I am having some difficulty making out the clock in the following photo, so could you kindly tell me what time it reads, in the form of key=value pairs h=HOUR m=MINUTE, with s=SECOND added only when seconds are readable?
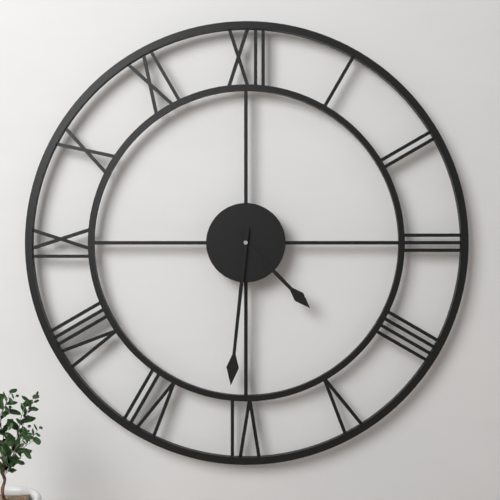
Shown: h=4 m=31
